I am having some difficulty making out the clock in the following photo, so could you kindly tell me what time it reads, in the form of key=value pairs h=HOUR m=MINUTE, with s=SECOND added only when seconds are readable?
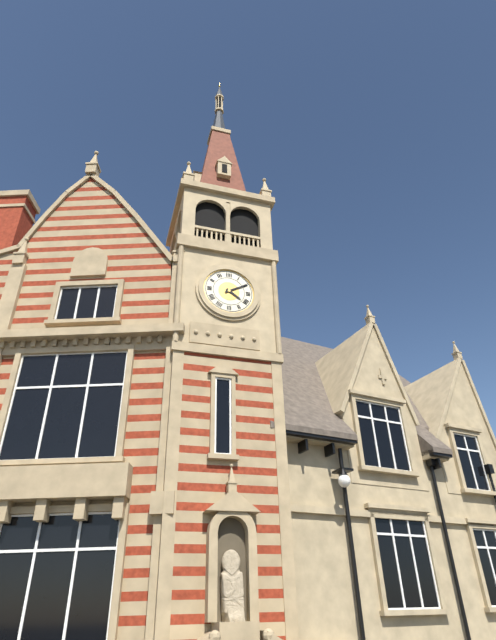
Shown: h=4 m=10
